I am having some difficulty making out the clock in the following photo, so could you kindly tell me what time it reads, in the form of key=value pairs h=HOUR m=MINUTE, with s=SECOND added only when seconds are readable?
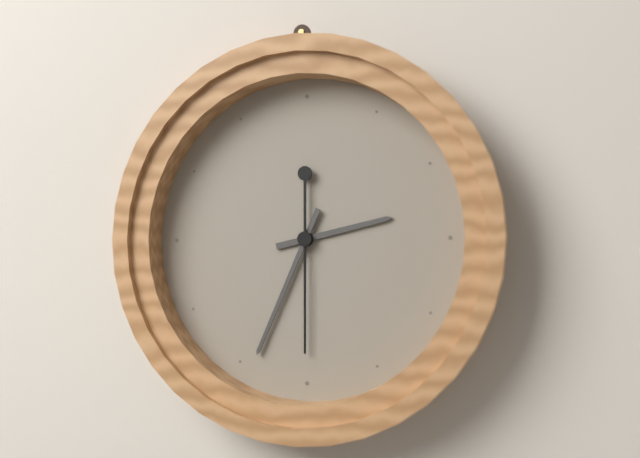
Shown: h=2 m=34 s=30
